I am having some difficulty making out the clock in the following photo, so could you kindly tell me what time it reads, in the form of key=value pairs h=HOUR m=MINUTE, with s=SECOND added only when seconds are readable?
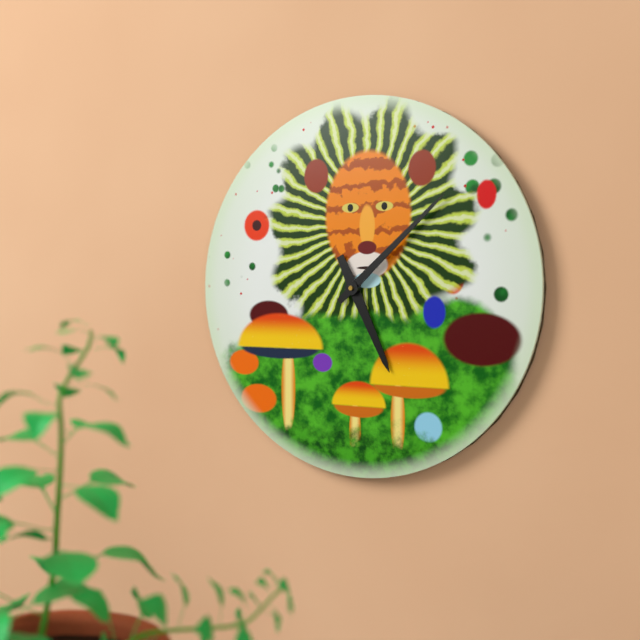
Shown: h=5 m=8
